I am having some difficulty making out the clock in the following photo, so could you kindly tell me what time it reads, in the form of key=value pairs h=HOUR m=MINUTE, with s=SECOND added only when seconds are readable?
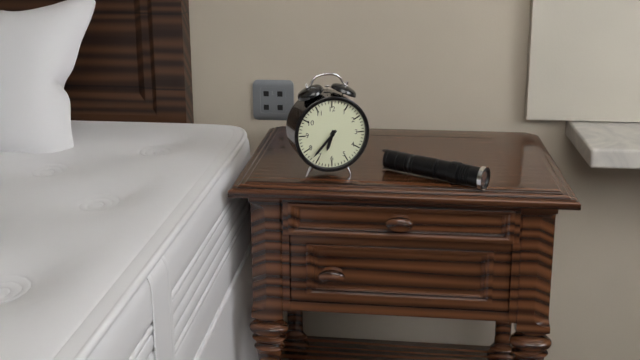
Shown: h=6 m=37
